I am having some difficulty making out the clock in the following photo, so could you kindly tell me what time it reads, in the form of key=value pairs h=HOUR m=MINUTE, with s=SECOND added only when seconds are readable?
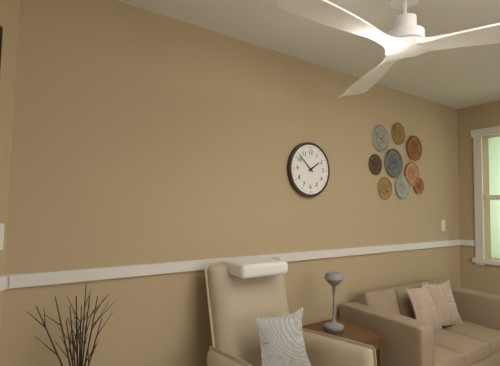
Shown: h=1 m=52
